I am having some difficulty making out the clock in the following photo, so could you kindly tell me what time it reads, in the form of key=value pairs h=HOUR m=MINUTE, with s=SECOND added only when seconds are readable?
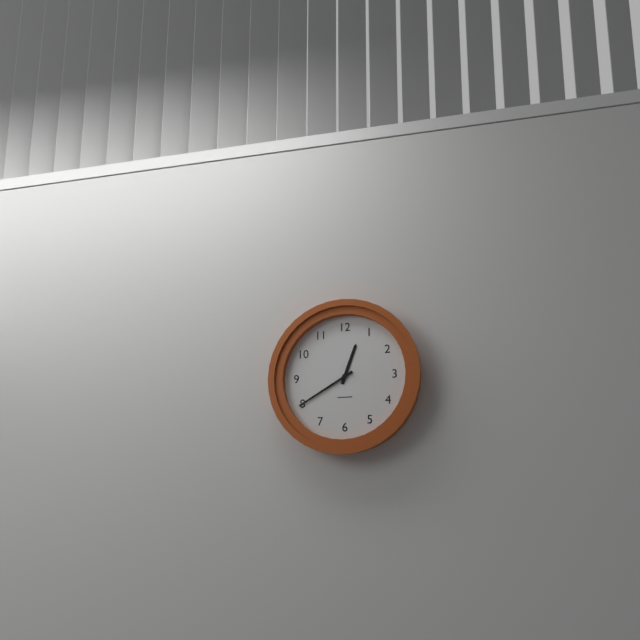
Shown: h=12 m=40
